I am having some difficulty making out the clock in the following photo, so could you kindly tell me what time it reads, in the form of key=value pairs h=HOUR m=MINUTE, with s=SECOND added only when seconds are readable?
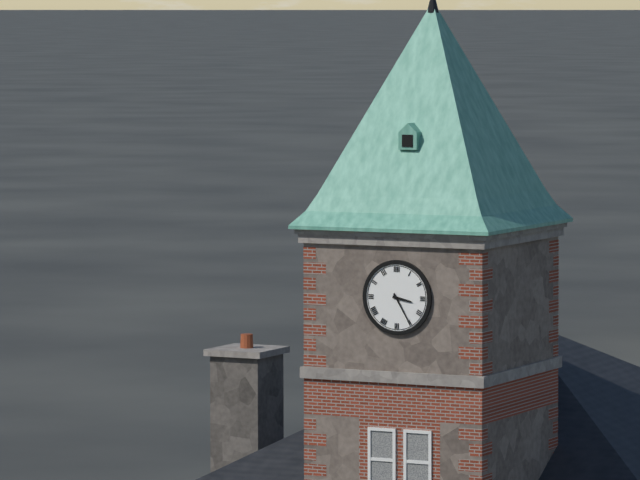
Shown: h=3 m=25
